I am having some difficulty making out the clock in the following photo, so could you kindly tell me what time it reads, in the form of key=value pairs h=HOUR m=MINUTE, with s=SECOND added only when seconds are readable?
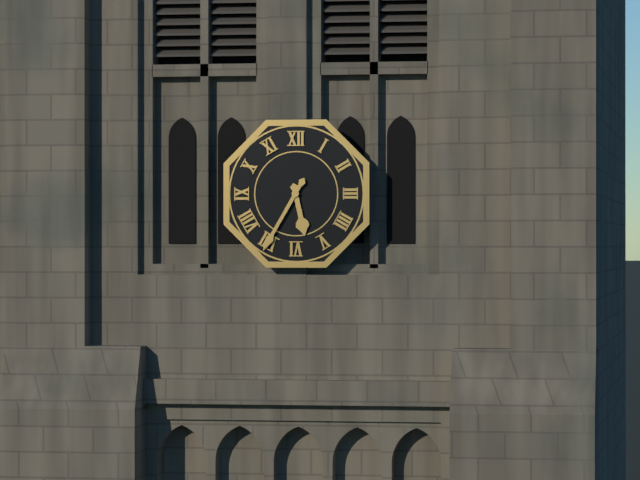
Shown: h=5 m=35
